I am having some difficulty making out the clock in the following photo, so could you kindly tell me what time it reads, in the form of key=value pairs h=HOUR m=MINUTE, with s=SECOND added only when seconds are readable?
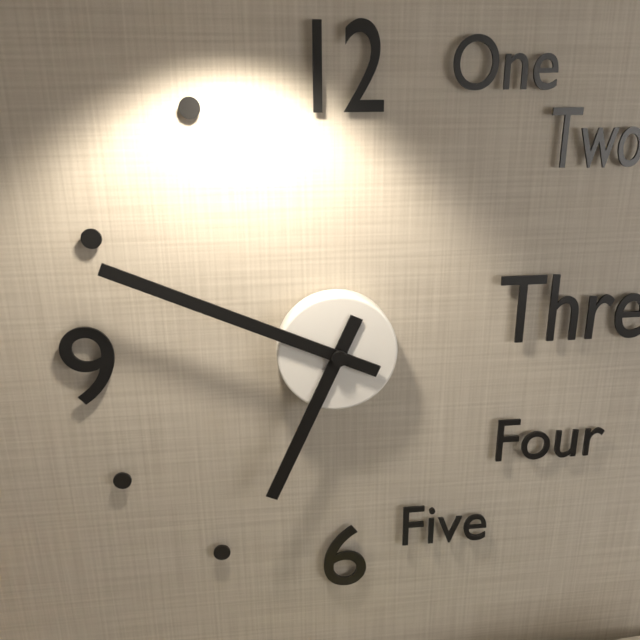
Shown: h=6 m=49
